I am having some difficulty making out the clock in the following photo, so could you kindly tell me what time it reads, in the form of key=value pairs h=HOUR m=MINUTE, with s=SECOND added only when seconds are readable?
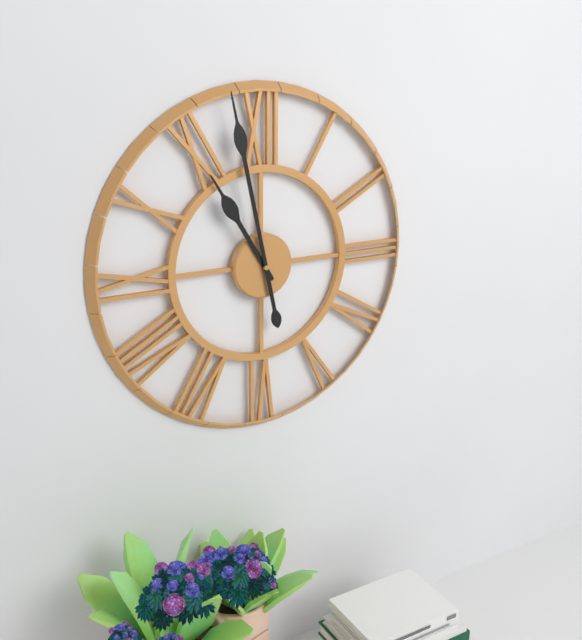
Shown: h=10 m=58
